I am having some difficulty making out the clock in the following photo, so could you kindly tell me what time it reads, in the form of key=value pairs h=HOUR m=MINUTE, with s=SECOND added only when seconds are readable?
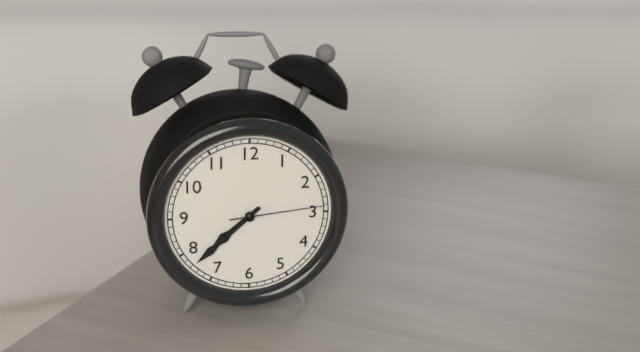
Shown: h=7 m=38 s=14
